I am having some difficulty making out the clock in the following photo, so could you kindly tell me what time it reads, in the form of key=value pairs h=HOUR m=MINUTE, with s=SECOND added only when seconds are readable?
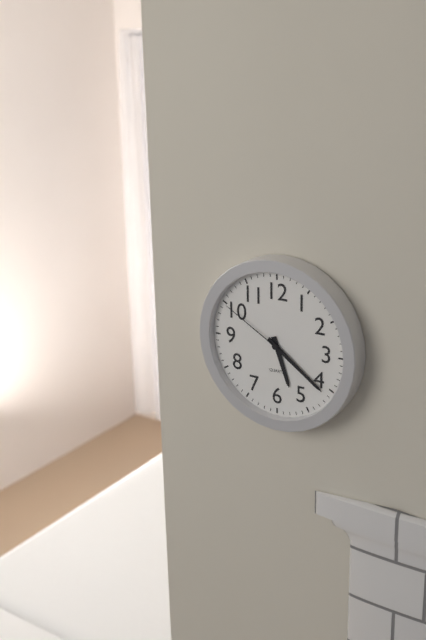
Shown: h=5 m=21 s=50
